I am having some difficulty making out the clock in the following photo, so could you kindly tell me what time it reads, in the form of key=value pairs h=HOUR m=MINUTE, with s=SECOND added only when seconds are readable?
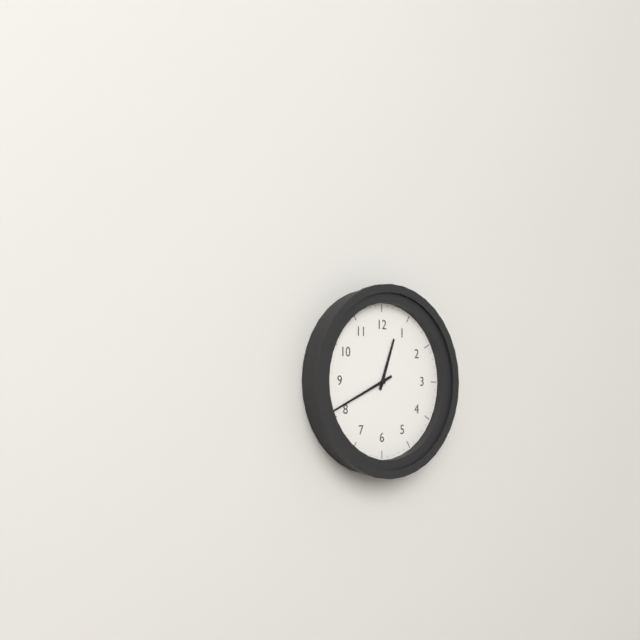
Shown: h=12 m=41
